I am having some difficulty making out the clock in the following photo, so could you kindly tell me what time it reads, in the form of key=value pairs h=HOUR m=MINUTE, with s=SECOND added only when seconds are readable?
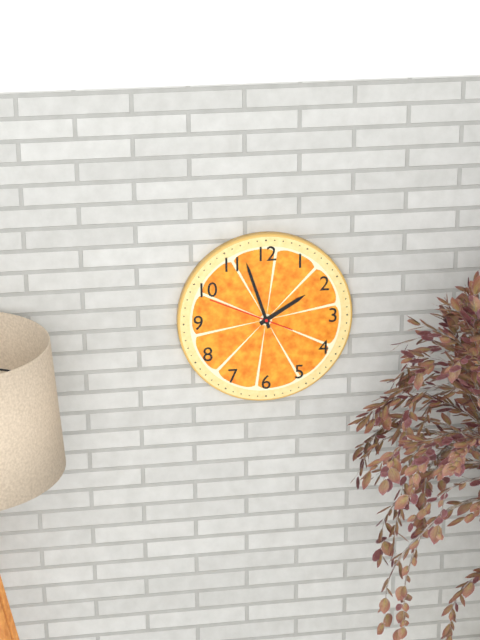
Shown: h=1 m=57 s=49
